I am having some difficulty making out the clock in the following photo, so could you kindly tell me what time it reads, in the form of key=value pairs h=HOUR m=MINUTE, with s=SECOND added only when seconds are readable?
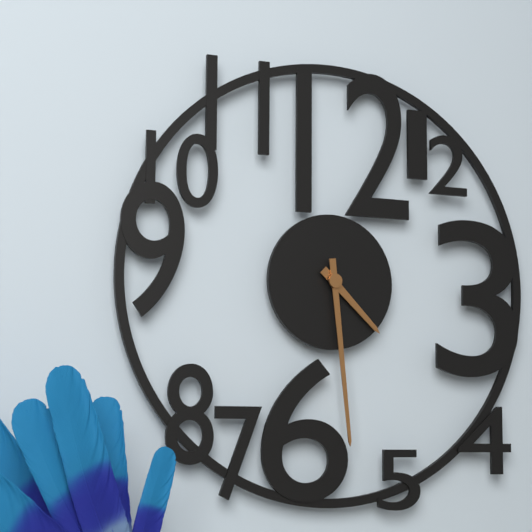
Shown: h=4 m=29
